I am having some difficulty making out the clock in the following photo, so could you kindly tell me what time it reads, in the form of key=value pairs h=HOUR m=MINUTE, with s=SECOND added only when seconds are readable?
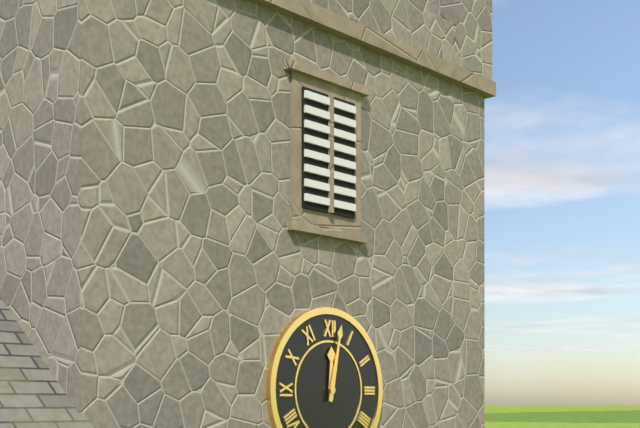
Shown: h=12 m=2
